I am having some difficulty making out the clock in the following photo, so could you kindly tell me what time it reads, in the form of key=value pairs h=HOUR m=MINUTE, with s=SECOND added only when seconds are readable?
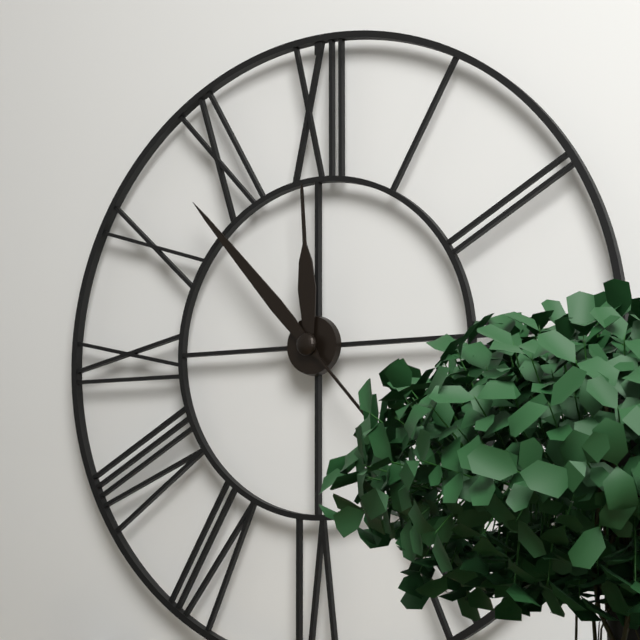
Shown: h=11 m=53
